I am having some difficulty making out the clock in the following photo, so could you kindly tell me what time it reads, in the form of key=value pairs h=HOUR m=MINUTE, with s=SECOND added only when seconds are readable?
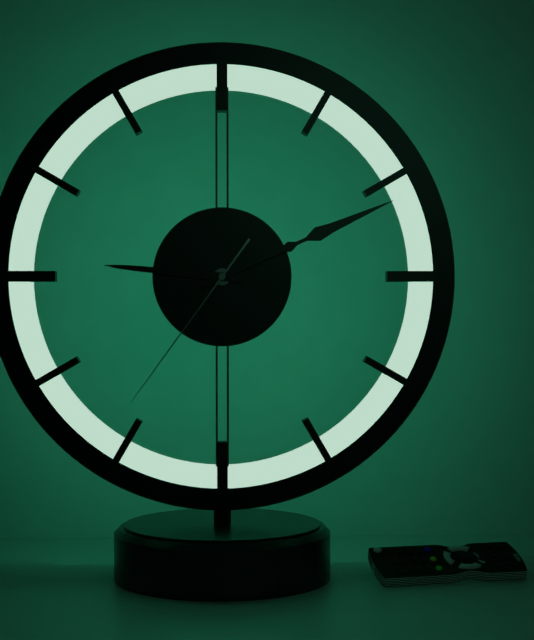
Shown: h=9 m=11 s=36
